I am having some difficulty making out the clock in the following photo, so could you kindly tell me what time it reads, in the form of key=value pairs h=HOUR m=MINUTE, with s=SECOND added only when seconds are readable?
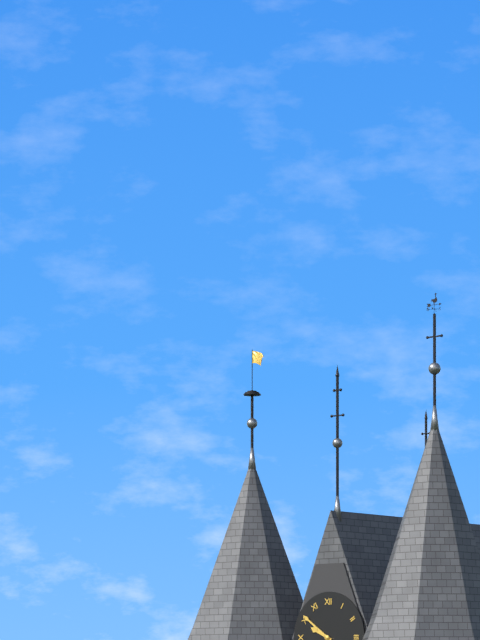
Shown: h=9 m=51
